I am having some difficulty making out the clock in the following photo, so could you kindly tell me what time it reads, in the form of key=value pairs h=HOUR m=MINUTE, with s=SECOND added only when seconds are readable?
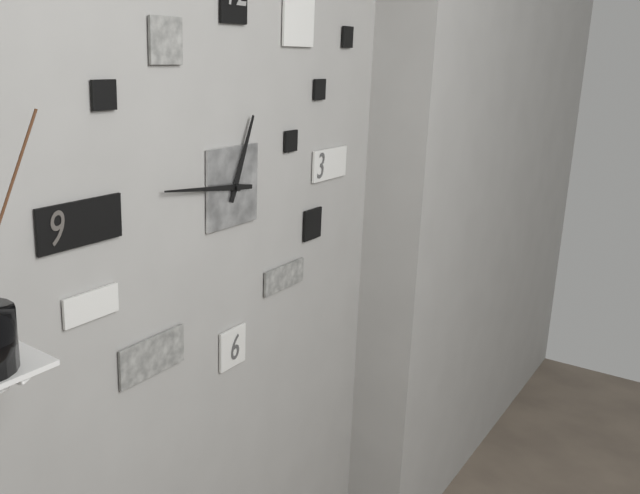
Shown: h=12 m=46
